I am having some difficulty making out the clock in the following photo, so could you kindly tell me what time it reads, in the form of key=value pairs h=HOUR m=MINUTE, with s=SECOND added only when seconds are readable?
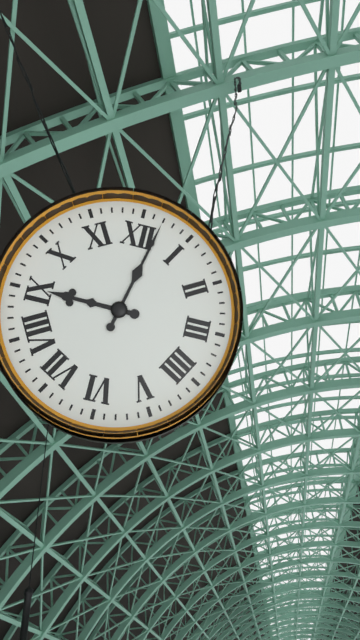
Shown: h=9 m=2
